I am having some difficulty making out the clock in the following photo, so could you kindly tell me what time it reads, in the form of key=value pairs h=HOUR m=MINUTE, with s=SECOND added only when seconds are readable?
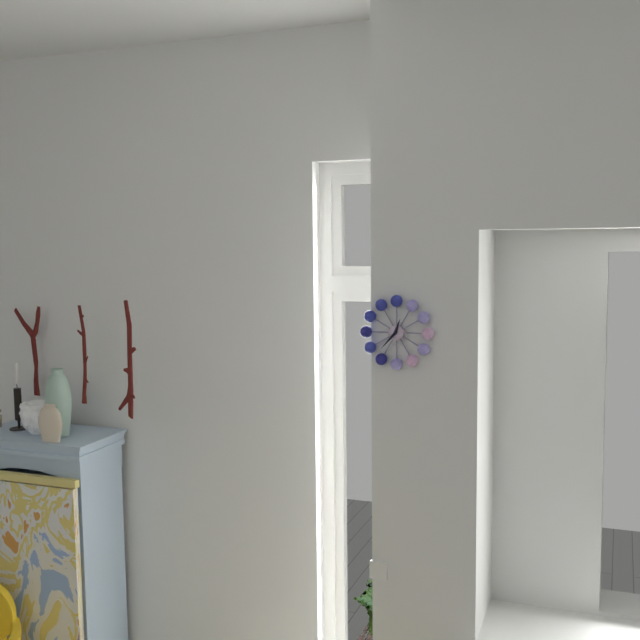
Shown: h=12 m=37
